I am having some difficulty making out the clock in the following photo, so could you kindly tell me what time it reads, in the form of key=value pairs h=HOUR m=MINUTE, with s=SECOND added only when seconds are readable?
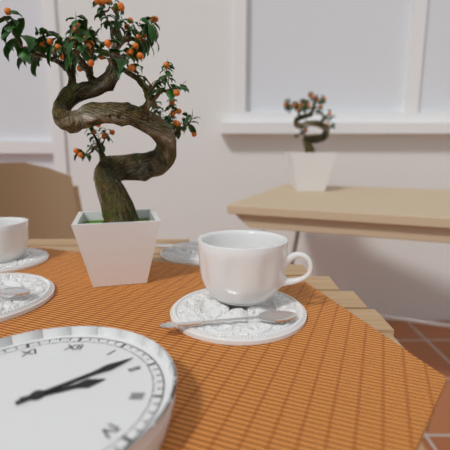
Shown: h=2 m=8
